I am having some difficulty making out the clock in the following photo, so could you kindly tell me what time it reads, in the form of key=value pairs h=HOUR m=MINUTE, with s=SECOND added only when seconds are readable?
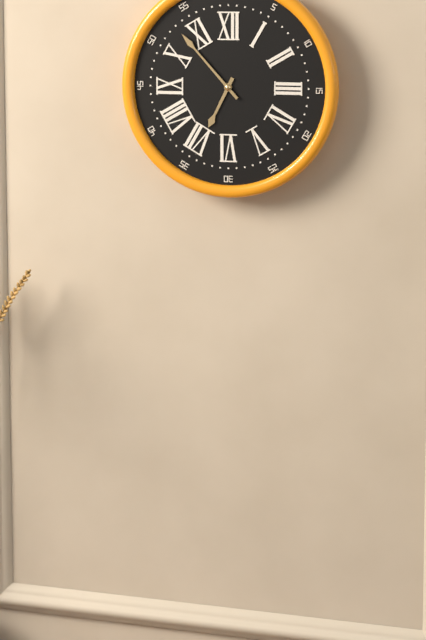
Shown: h=6 m=53
